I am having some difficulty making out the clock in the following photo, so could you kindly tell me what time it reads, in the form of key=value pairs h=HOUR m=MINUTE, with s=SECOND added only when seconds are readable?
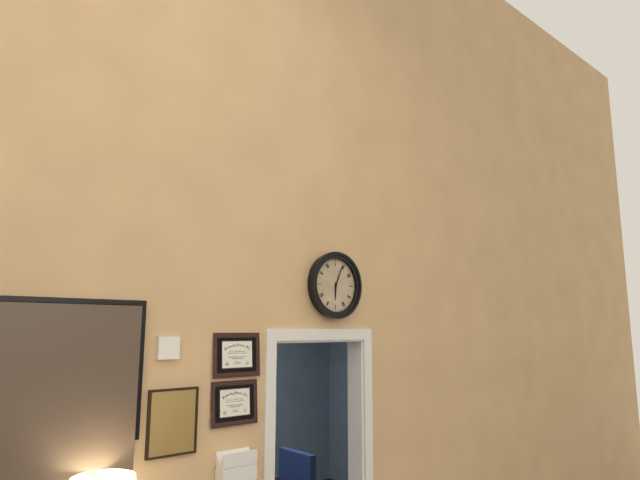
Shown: h=6 m=4
